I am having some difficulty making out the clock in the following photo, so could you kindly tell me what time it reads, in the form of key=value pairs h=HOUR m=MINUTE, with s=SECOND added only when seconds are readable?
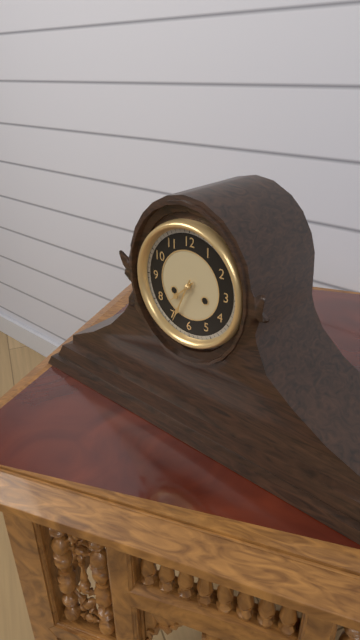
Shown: h=7 m=34
